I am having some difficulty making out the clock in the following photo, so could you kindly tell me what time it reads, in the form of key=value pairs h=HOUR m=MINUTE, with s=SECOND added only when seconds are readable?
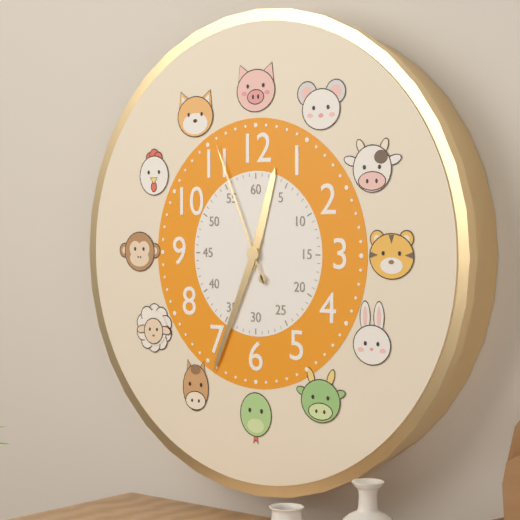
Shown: h=12 m=34 s=56
